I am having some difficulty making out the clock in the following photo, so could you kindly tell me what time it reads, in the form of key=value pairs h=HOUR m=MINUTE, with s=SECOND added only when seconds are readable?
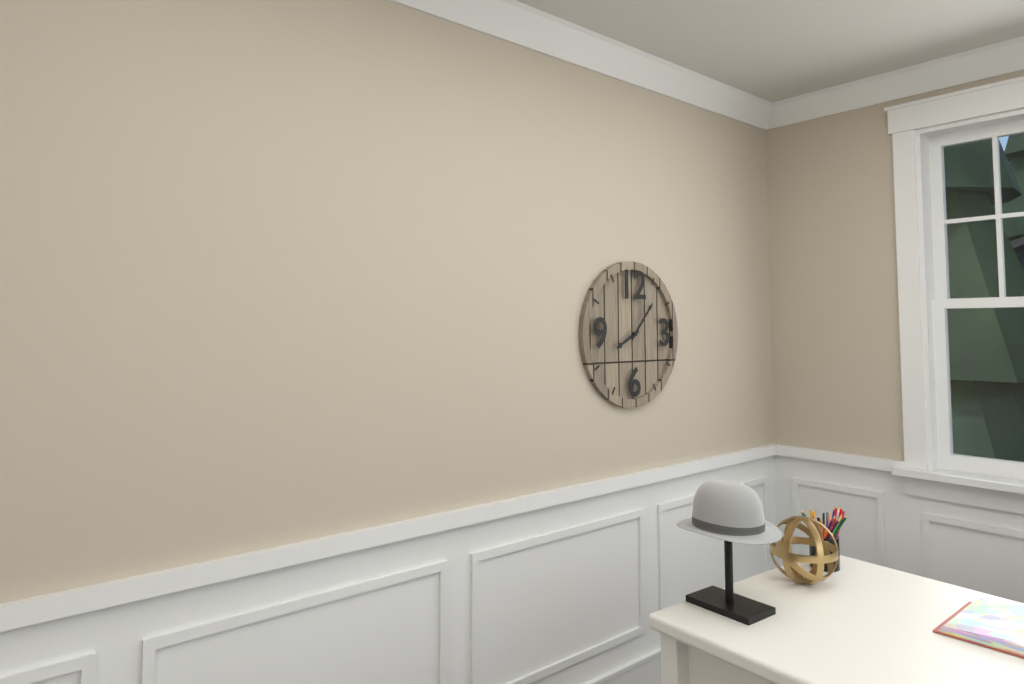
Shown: h=8 m=7
